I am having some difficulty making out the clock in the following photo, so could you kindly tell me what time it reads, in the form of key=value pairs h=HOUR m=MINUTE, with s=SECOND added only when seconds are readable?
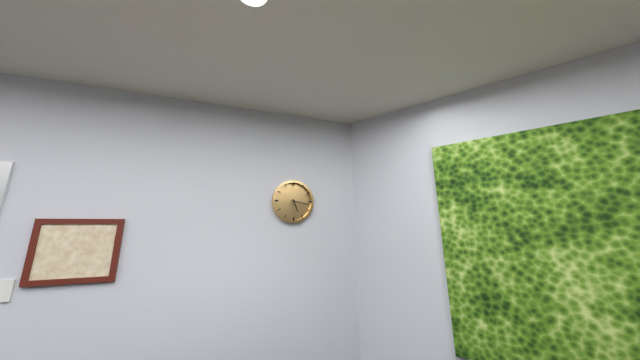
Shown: h=5 m=17
